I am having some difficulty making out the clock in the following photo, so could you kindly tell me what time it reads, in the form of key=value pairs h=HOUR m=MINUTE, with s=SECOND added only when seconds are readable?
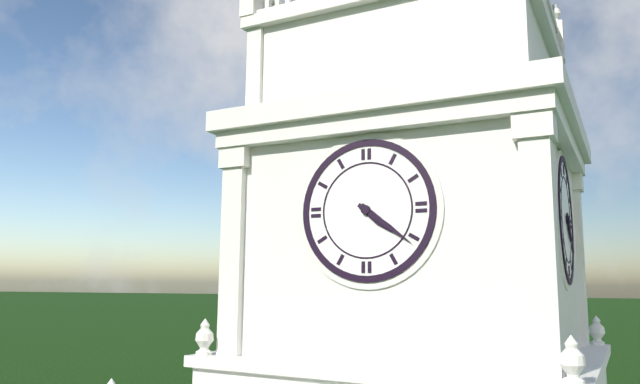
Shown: h=4 m=21
